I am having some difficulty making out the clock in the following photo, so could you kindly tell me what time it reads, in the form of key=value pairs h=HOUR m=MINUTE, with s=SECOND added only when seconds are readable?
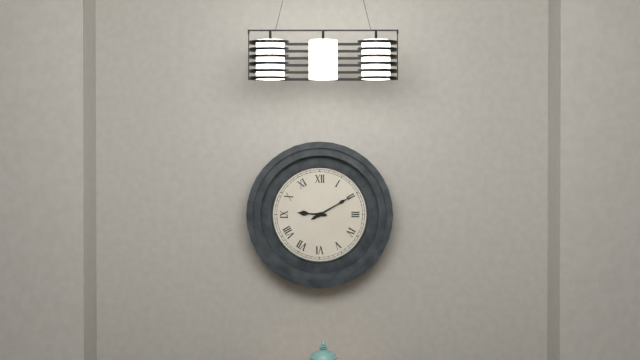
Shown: h=9 m=10
